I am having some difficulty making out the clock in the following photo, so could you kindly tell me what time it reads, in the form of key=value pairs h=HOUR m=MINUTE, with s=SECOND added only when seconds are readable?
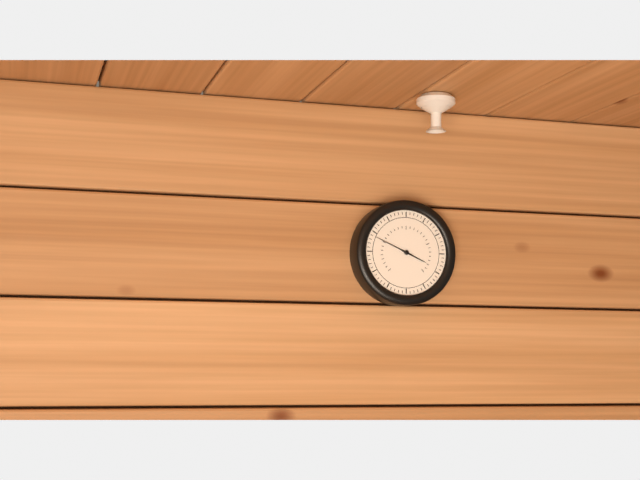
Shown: h=3 m=49
